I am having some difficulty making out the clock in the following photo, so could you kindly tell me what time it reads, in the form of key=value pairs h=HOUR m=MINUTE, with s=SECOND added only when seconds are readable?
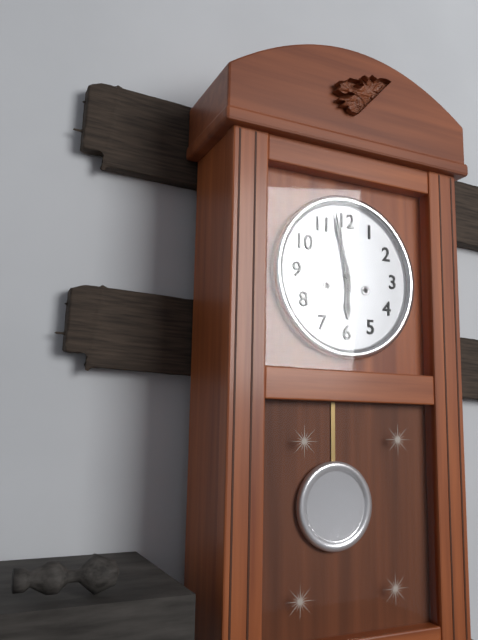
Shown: h=5 m=58
